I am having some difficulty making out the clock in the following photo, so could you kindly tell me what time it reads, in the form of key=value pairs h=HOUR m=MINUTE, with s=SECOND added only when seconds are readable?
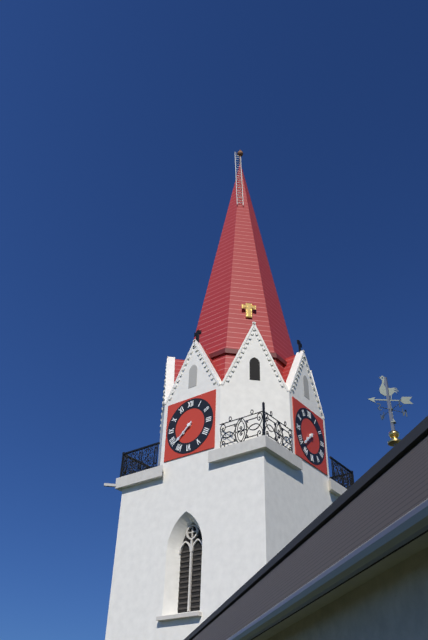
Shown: h=7 m=38
